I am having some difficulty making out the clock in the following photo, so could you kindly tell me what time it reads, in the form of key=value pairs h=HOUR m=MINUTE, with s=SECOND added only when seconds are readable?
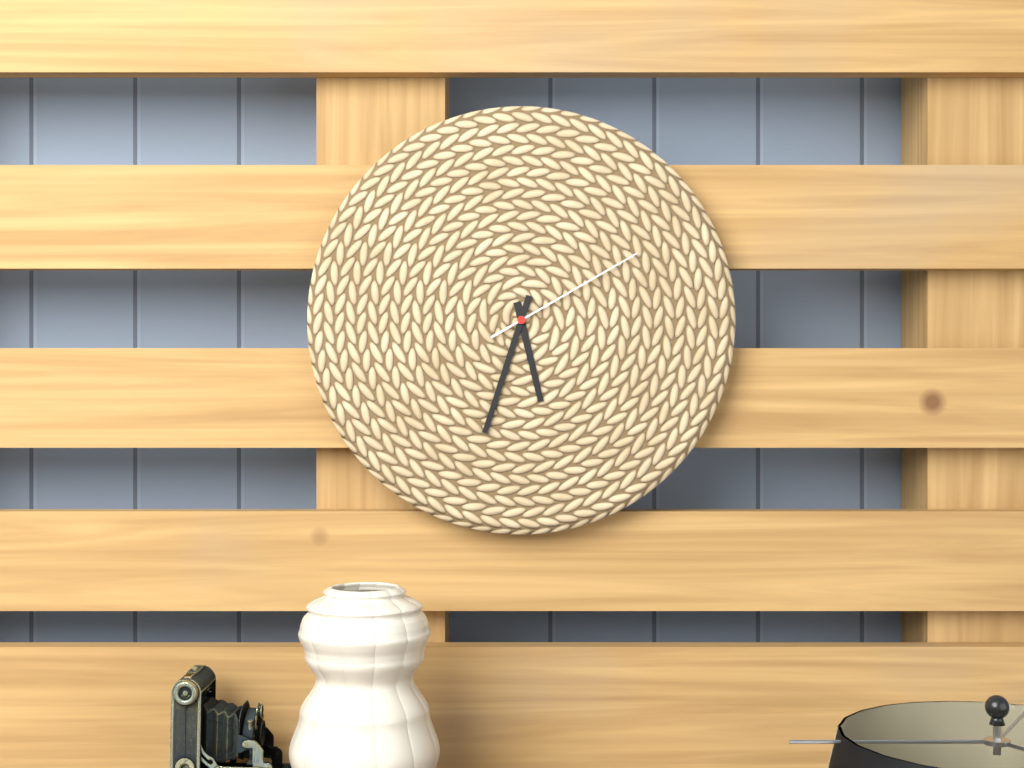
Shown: h=5 m=33 s=10
